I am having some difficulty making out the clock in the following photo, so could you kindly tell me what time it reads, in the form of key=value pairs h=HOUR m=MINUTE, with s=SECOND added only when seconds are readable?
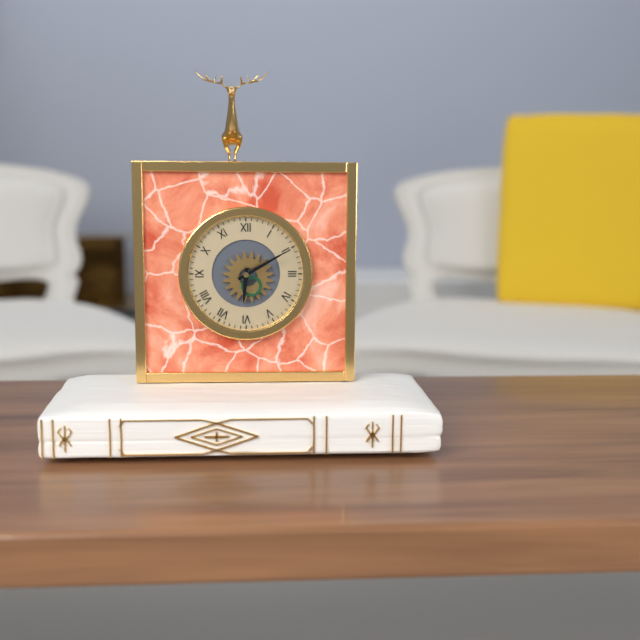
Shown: h=6 m=10
